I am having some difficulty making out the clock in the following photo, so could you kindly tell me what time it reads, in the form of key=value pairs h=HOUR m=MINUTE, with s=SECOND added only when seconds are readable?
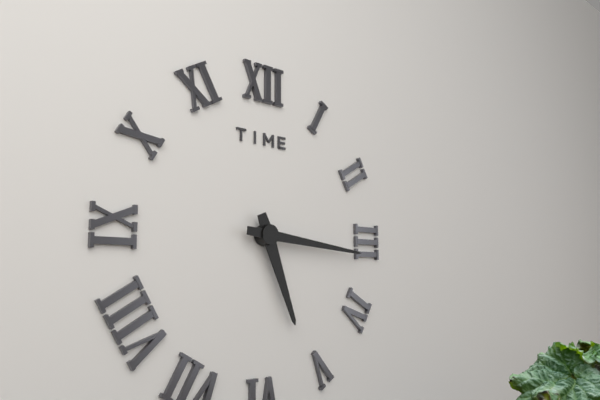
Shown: h=5 m=16
